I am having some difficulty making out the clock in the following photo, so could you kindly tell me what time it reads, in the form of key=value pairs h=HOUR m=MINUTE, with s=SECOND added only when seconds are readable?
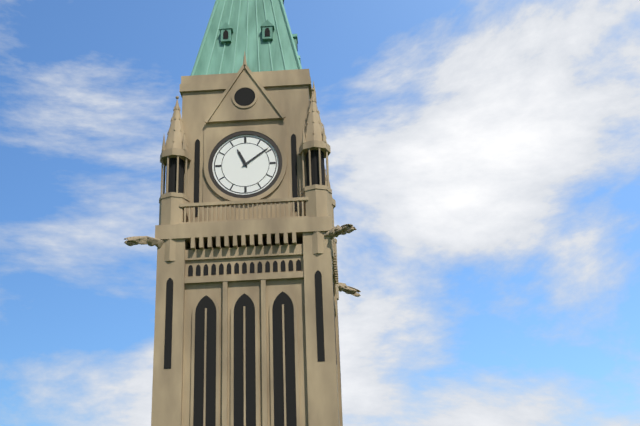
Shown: h=11 m=9
